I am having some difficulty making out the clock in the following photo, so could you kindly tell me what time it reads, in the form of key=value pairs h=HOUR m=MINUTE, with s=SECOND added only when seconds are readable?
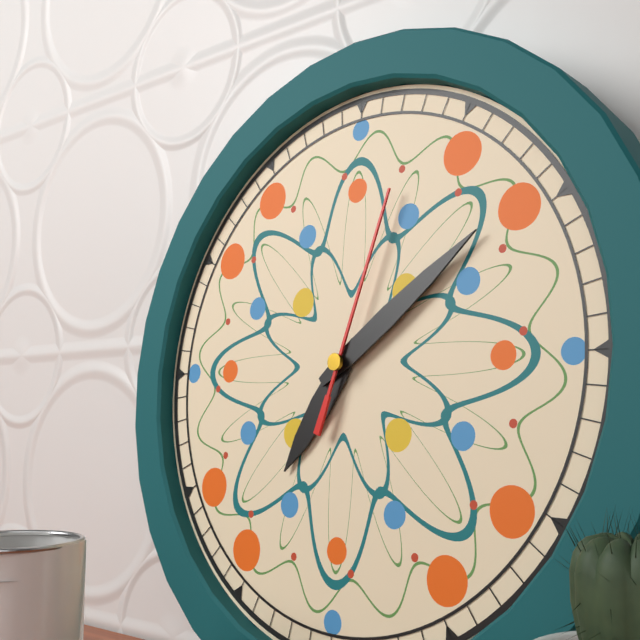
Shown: h=7 m=9 s=3
